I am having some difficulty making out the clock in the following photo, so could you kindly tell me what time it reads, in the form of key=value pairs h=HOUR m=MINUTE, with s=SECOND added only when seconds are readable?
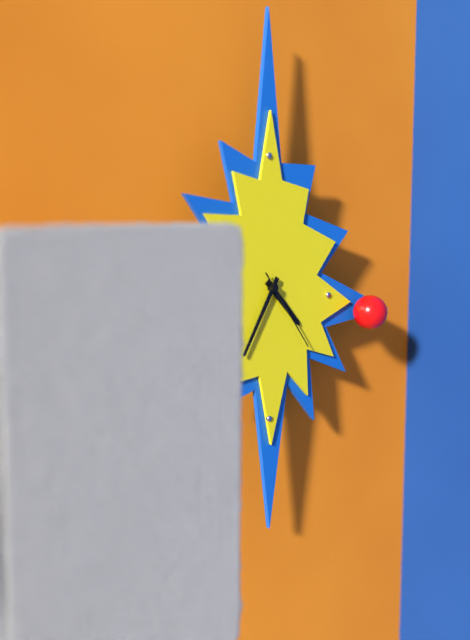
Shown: h=4 m=35 s=24
